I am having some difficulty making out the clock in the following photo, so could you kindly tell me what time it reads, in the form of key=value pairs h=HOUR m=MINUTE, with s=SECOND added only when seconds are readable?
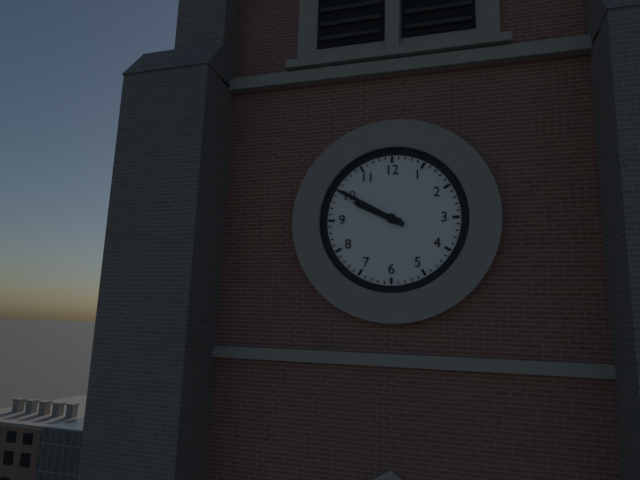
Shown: h=9 m=50
